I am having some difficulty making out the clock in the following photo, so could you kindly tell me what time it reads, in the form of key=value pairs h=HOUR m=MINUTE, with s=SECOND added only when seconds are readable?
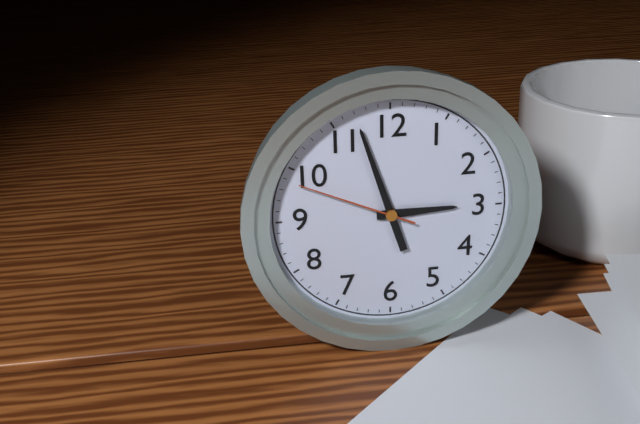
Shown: h=2 m=57 s=49
